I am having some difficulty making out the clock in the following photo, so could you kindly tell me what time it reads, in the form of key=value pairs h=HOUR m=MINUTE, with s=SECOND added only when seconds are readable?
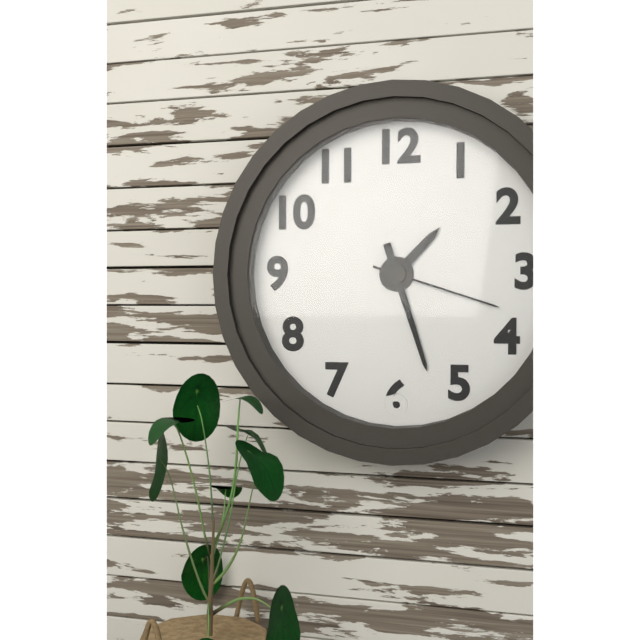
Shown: h=1 m=27 s=18
